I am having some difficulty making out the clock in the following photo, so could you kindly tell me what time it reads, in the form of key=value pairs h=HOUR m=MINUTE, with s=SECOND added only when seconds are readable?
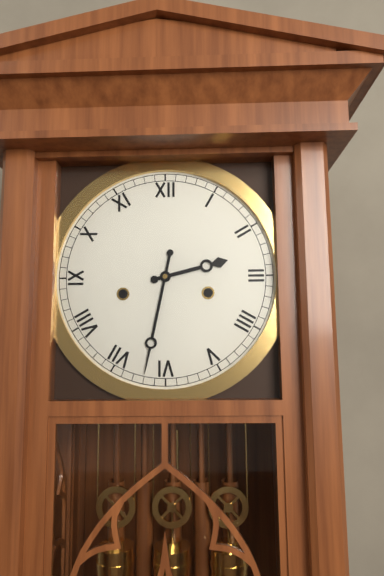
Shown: h=2 m=32
